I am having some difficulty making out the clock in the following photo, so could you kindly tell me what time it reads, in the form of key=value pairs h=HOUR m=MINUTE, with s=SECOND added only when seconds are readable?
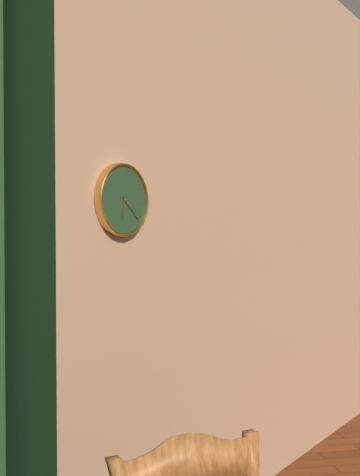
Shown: h=6 m=22
